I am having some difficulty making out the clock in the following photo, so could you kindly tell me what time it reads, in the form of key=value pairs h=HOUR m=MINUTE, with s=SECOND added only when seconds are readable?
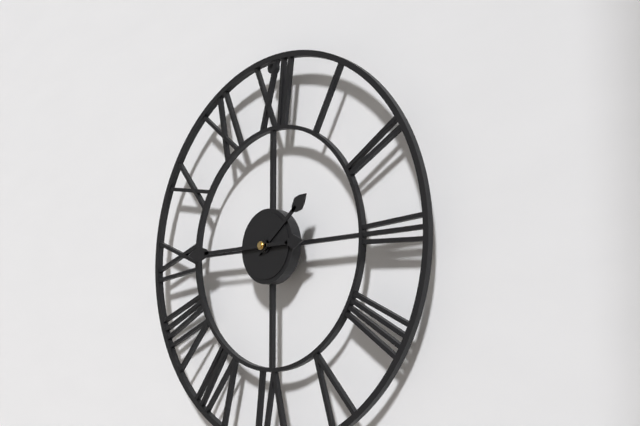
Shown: h=1 m=45
